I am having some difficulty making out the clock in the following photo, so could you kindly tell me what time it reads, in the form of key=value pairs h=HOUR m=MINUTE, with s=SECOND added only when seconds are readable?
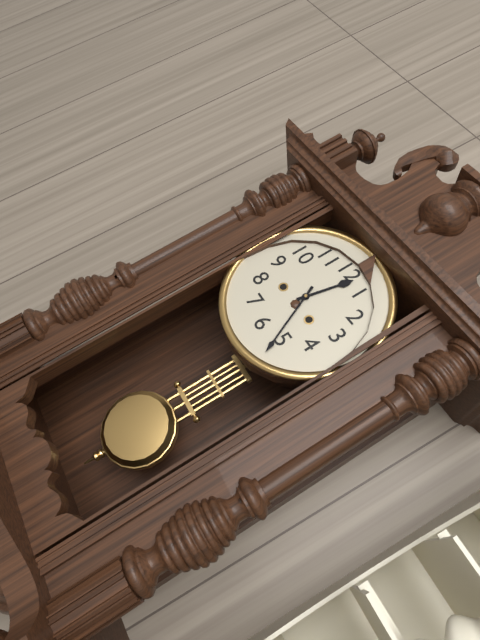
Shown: h=12 m=26
